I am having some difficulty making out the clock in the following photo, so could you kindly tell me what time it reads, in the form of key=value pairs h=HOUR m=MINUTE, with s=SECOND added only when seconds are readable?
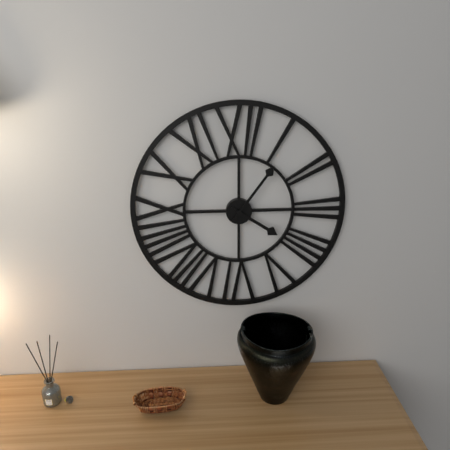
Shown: h=4 m=6
